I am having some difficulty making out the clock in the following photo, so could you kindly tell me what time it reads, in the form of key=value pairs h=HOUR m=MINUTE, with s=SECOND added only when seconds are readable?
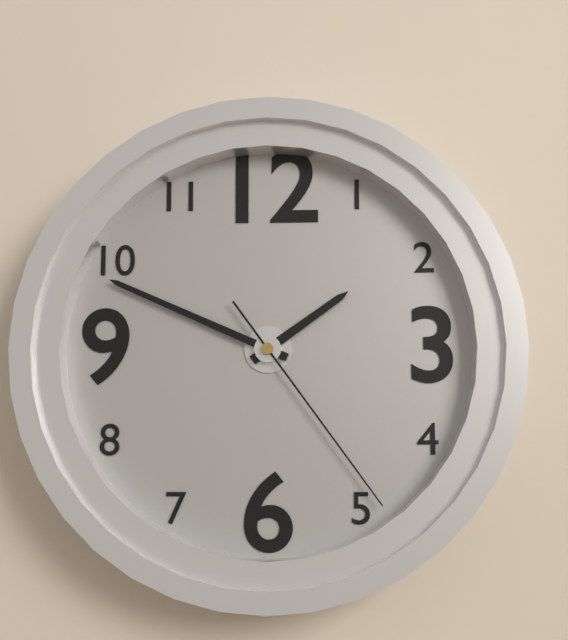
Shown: h=1 m=49 s=24
